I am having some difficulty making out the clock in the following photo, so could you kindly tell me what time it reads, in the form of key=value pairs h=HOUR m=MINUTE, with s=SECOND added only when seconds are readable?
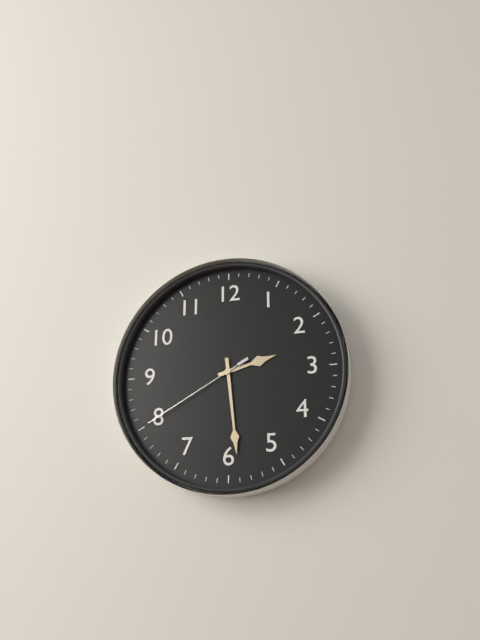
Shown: h=2 m=29 s=40
